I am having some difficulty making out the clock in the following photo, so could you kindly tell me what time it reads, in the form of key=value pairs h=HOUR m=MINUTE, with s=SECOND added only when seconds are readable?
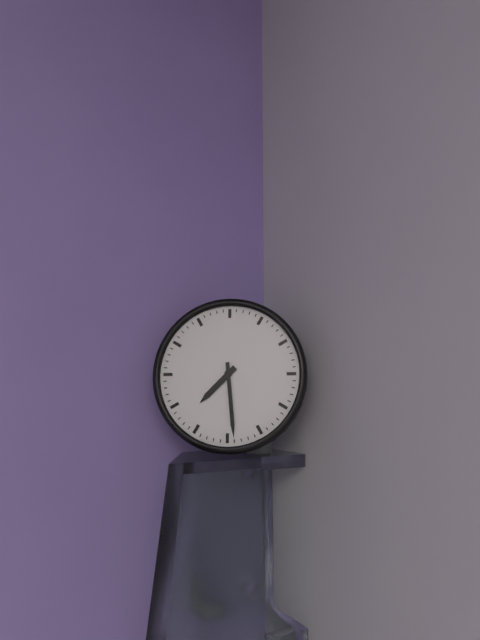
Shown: h=7 m=29
